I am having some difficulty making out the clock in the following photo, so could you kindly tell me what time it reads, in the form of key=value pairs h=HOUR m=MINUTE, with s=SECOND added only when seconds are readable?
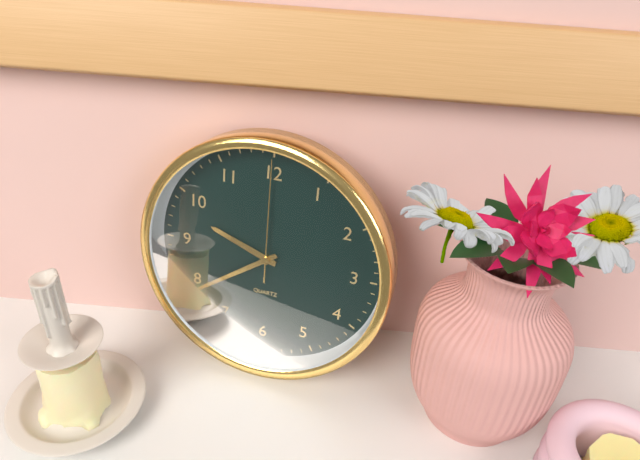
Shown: h=9 m=39 s=0
